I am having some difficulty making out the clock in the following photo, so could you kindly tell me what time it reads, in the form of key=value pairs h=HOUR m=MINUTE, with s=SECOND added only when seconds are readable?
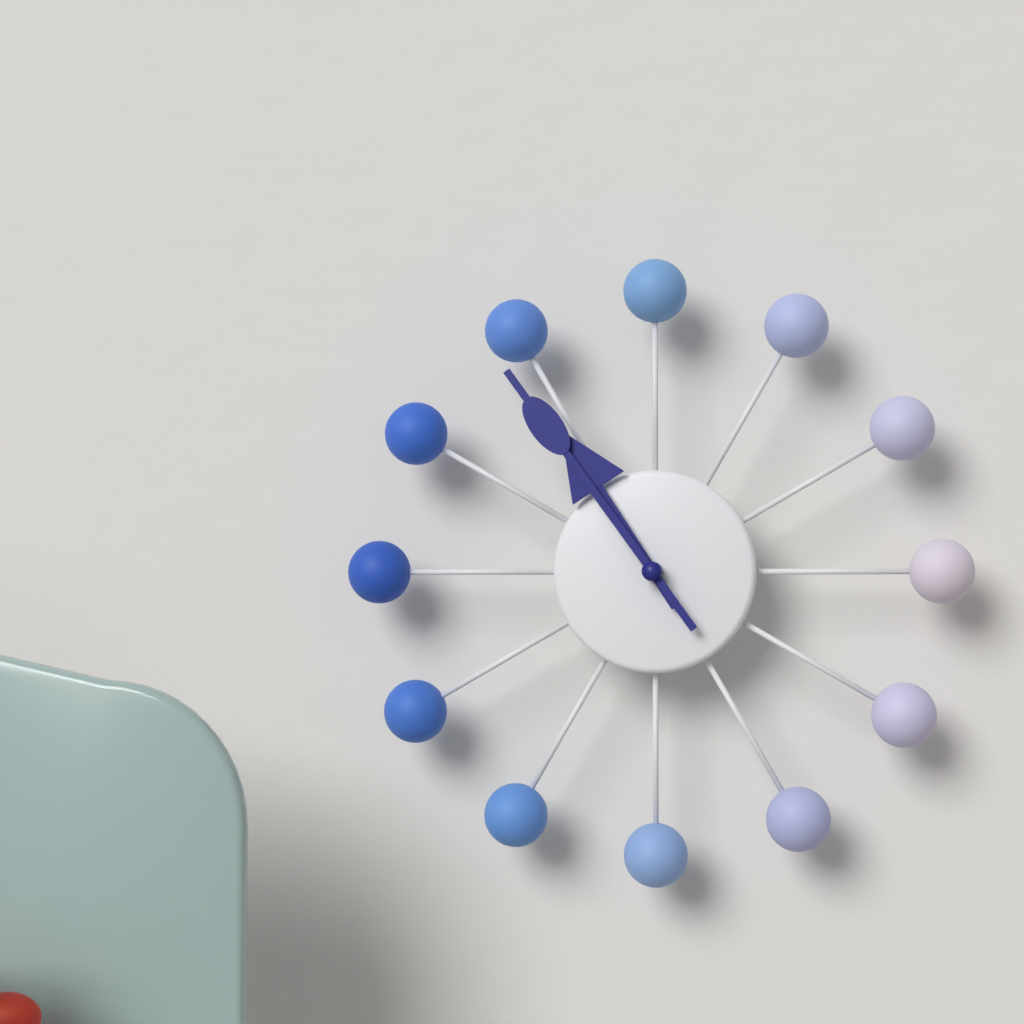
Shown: h=10 m=54
